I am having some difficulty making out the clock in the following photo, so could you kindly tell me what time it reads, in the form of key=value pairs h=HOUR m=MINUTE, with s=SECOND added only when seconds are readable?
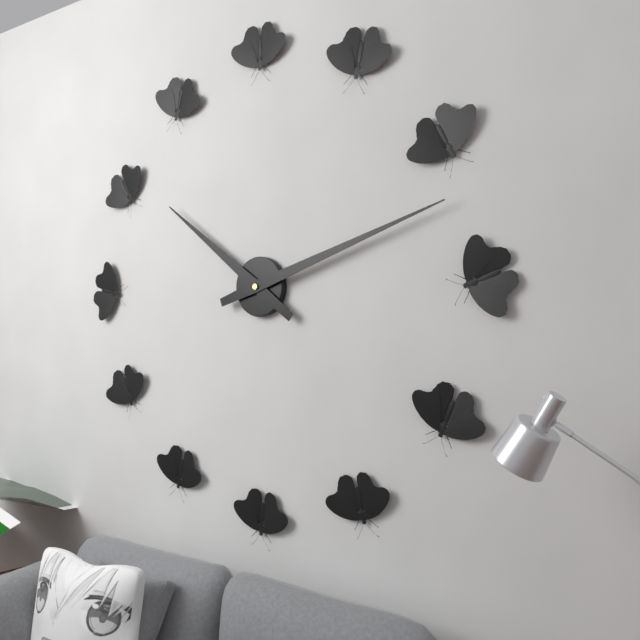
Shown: h=10 m=12
